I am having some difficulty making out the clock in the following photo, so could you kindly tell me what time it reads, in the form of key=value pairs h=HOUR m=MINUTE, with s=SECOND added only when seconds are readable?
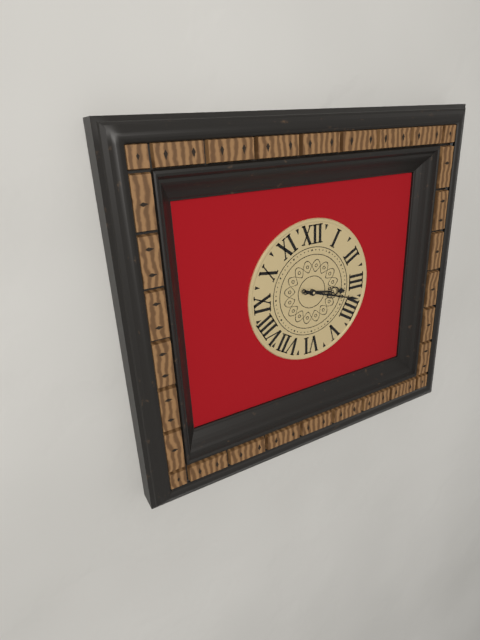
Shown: h=3 m=18
